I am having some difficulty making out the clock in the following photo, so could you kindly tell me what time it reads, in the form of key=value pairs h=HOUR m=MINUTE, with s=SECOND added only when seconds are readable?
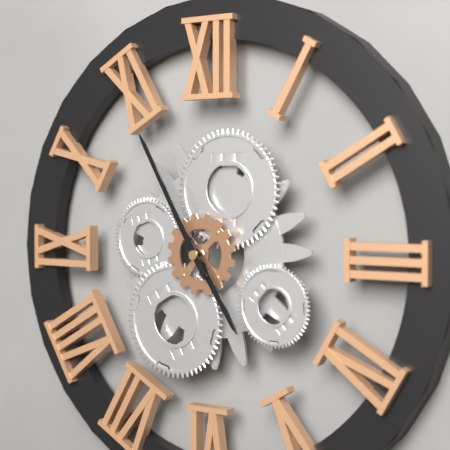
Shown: h=4 m=55
